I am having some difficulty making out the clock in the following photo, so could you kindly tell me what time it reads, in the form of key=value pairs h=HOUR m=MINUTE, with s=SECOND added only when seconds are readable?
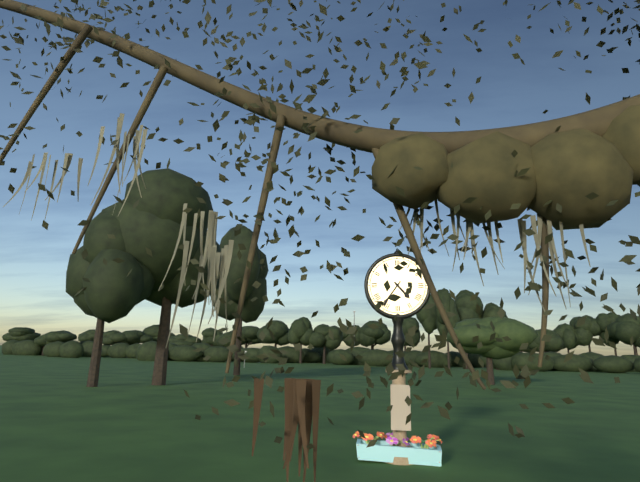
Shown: h=4 m=36
